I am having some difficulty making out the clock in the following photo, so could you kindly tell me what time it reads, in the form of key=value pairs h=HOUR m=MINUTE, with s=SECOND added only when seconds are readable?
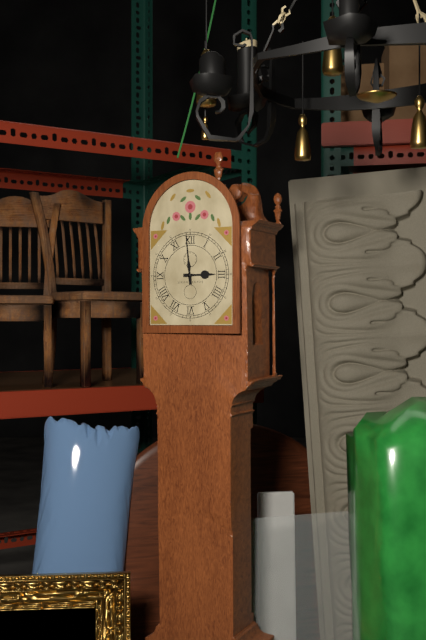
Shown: h=2 m=59
